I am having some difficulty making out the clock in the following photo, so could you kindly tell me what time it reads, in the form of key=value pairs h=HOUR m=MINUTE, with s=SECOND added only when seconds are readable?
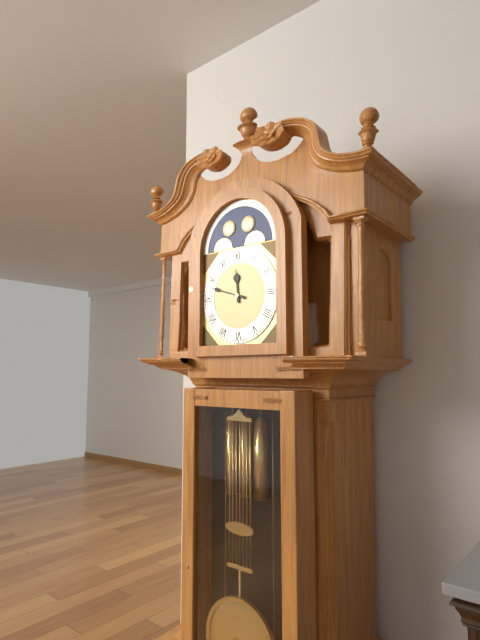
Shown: h=11 m=48
